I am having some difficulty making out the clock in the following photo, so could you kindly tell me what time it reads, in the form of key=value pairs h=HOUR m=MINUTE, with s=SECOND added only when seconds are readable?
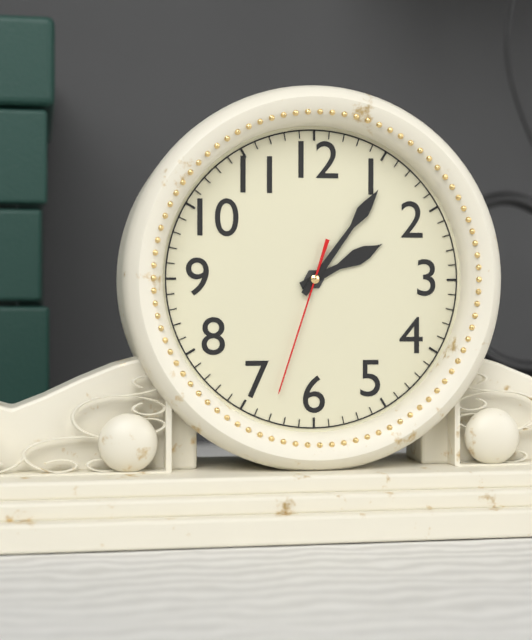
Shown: h=2 m=6 s=33
